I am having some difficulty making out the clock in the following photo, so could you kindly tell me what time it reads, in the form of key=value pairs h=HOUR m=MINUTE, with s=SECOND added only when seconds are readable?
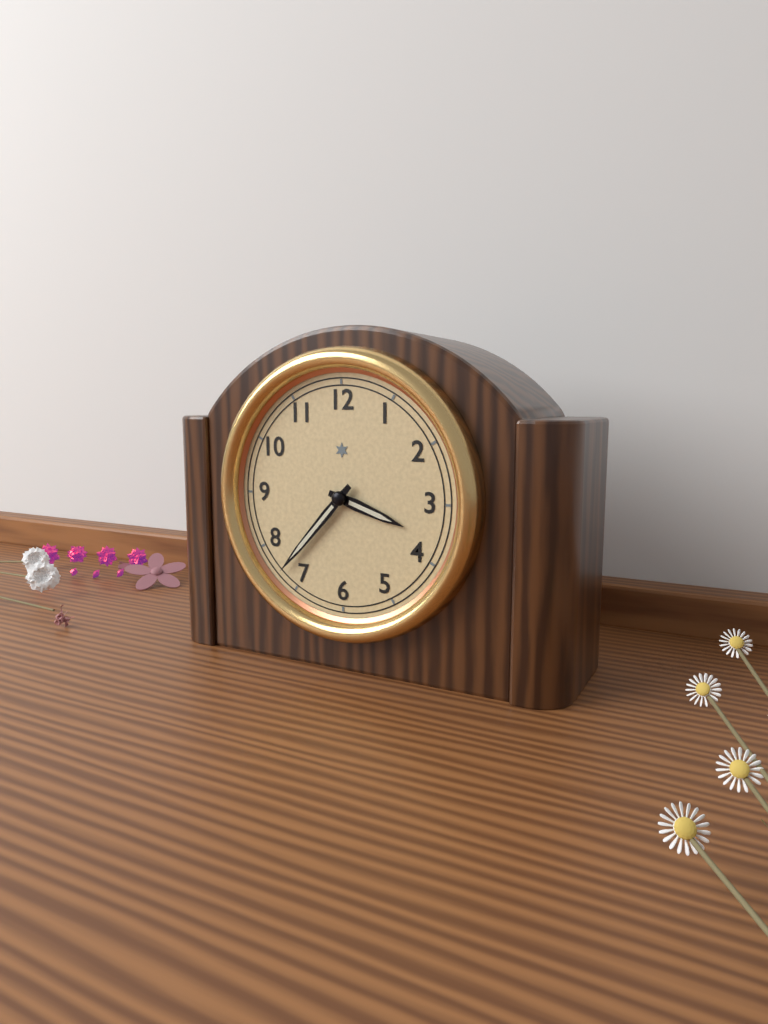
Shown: h=3 m=37
